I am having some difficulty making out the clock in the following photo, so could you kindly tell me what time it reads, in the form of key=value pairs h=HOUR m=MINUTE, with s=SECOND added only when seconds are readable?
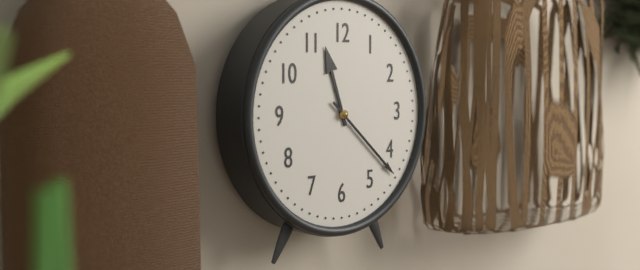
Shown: h=11 m=22
